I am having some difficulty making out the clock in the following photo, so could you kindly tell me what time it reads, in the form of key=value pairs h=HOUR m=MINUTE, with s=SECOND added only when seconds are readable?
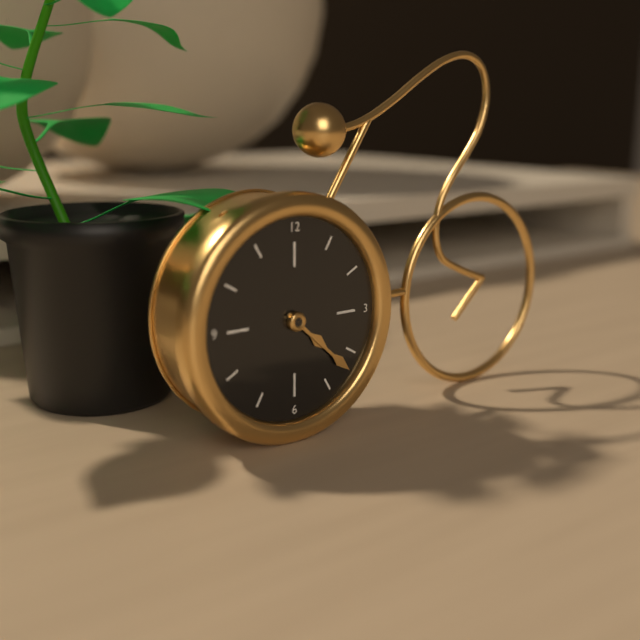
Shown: h=4 m=22
